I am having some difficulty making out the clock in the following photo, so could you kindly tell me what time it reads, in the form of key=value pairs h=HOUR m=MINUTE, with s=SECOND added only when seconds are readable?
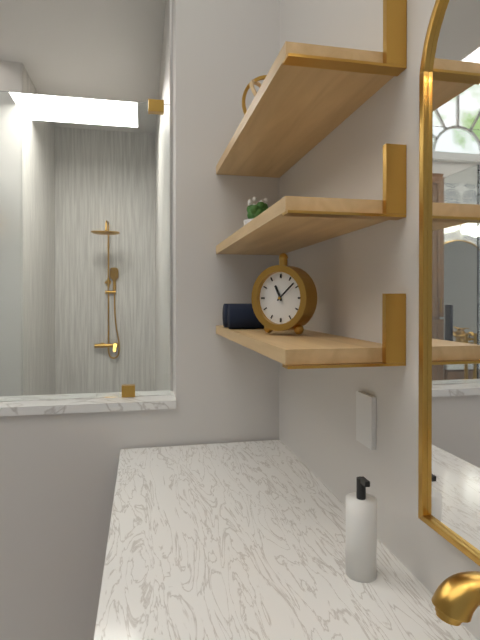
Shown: h=11 m=8
